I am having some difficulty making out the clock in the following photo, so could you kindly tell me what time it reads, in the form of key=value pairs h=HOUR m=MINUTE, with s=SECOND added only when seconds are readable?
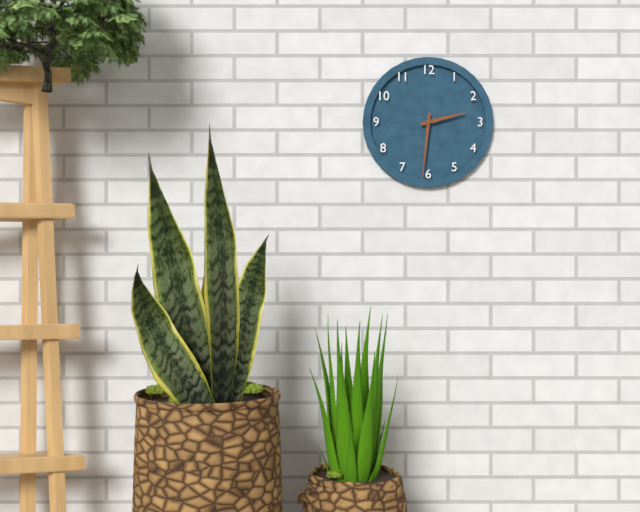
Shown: h=2 m=31
